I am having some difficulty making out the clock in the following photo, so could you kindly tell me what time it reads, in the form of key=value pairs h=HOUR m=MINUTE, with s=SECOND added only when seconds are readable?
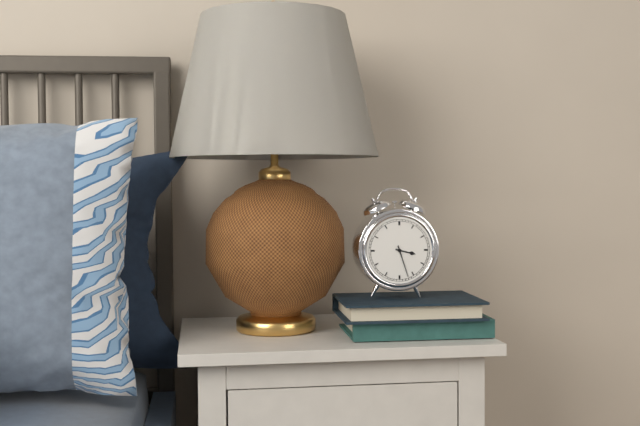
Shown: h=3 m=27
